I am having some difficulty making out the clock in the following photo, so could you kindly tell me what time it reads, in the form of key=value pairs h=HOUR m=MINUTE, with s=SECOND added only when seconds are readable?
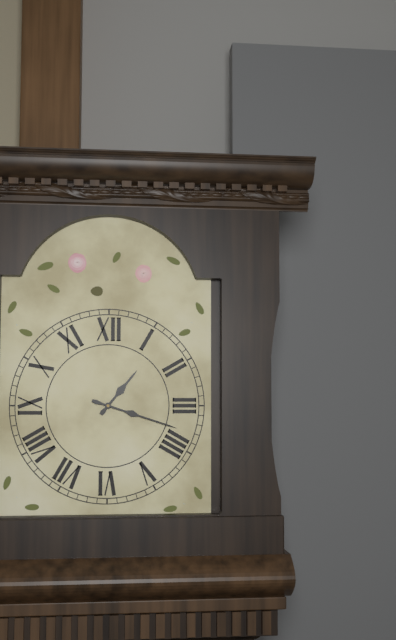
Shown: h=1 m=18
